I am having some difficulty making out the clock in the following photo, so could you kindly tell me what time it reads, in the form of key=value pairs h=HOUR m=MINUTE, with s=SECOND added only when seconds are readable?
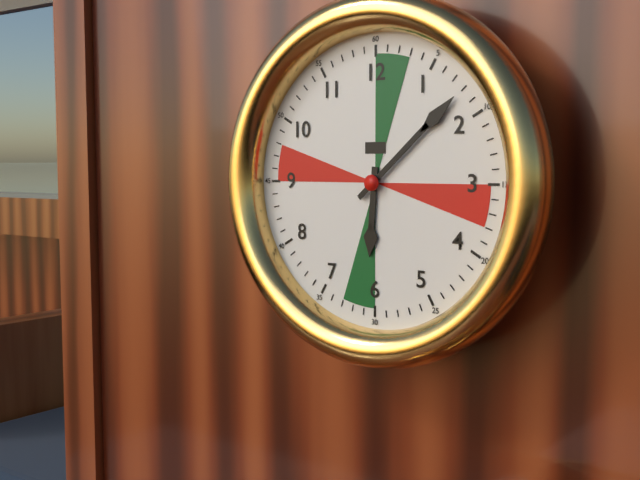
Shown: h=6 m=8
